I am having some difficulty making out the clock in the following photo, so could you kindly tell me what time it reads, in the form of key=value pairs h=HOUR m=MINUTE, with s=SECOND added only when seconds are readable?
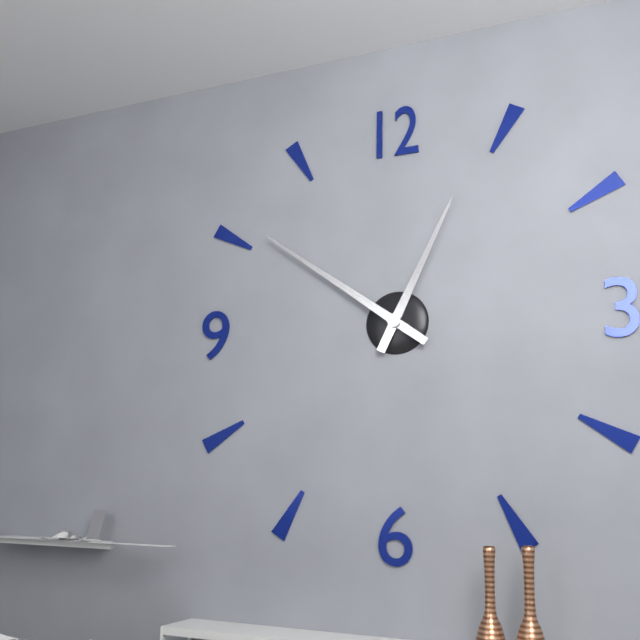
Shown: h=12 m=51
